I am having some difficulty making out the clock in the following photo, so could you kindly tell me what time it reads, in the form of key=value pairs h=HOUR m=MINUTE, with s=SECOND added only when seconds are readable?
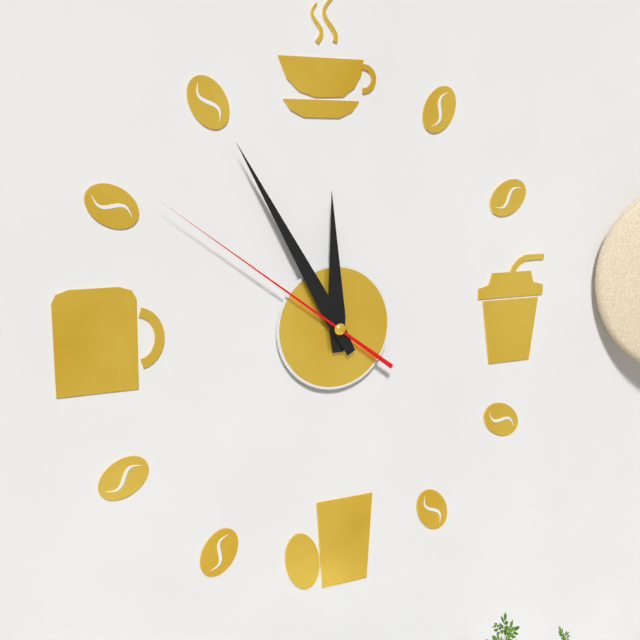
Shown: h=11 m=55 s=51
